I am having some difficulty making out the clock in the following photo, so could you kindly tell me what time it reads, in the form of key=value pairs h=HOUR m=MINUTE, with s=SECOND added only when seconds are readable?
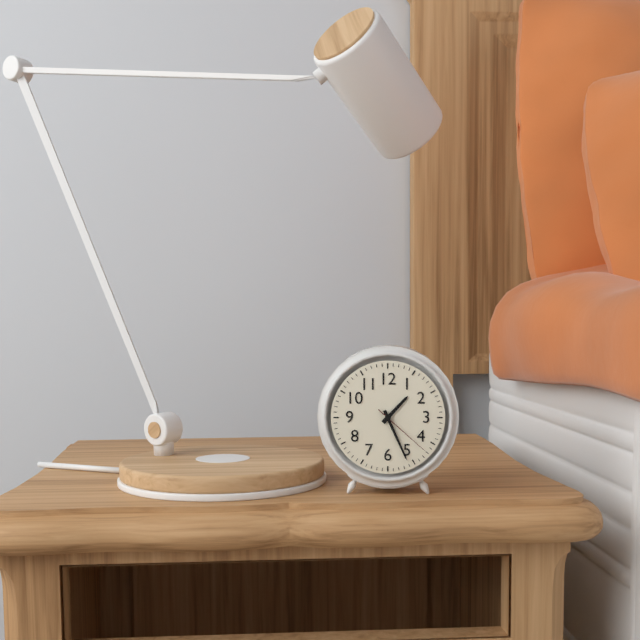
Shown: h=1 m=26 s=22
